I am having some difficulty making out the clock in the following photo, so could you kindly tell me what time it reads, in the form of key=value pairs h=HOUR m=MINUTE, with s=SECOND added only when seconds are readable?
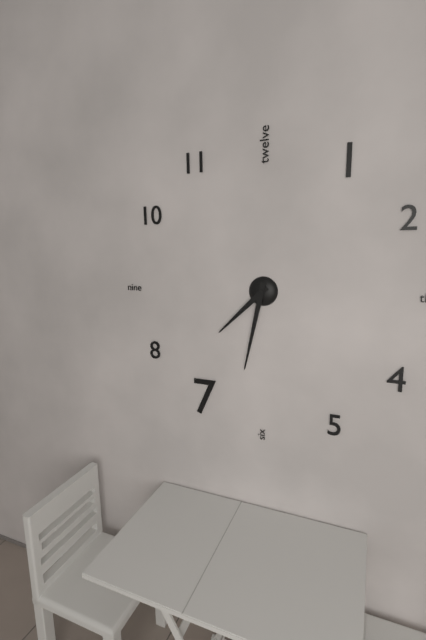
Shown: h=7 m=32
